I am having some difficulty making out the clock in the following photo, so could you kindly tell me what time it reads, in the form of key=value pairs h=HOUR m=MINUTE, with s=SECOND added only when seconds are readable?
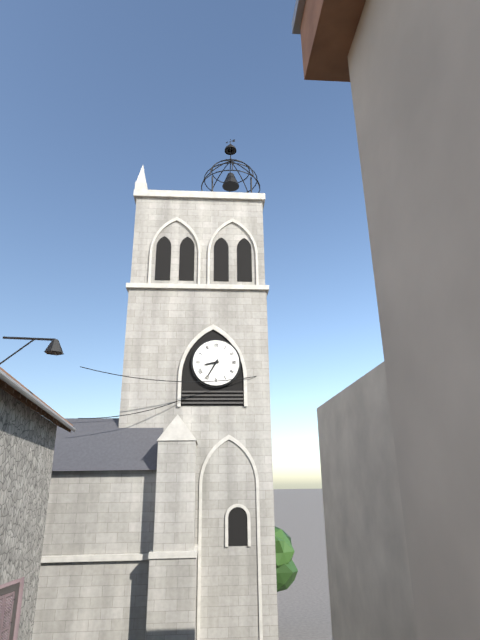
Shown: h=8 m=35
